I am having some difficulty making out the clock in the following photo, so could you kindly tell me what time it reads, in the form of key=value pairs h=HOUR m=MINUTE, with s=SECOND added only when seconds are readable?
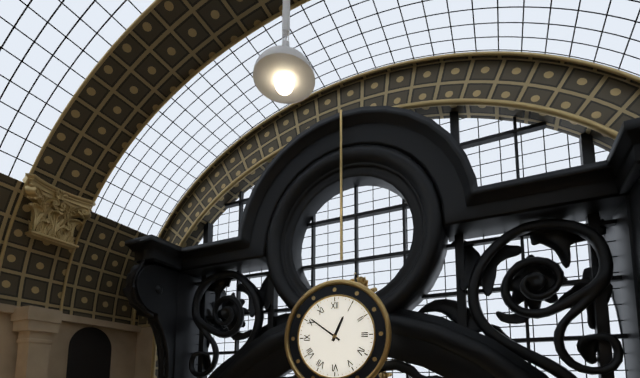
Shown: h=12 m=51
